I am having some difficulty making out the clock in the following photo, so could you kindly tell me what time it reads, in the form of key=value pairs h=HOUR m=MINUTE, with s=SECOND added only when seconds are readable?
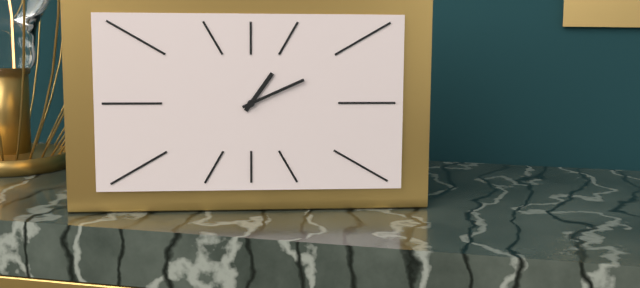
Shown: h=1 m=11
